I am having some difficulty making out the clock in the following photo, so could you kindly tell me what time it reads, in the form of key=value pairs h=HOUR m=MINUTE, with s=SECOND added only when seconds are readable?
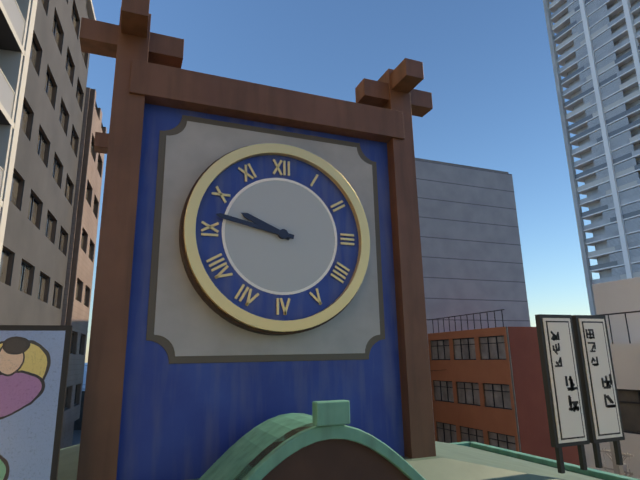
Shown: h=9 m=47
